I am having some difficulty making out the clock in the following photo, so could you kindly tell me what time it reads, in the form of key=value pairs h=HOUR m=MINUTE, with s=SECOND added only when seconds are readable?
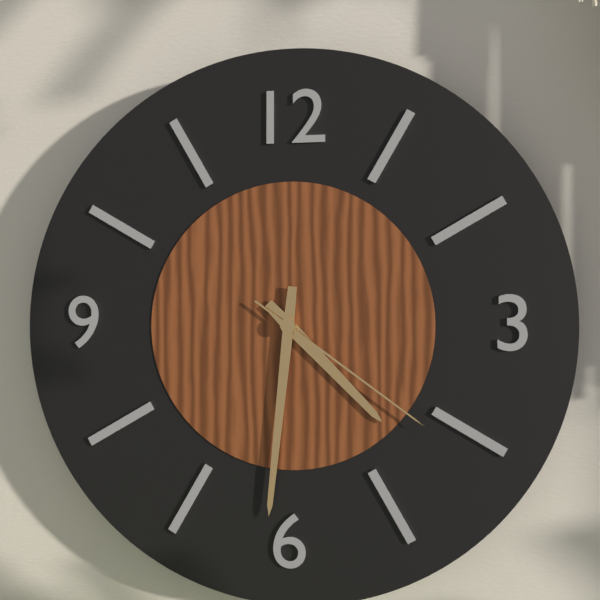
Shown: h=4 m=31 s=21
